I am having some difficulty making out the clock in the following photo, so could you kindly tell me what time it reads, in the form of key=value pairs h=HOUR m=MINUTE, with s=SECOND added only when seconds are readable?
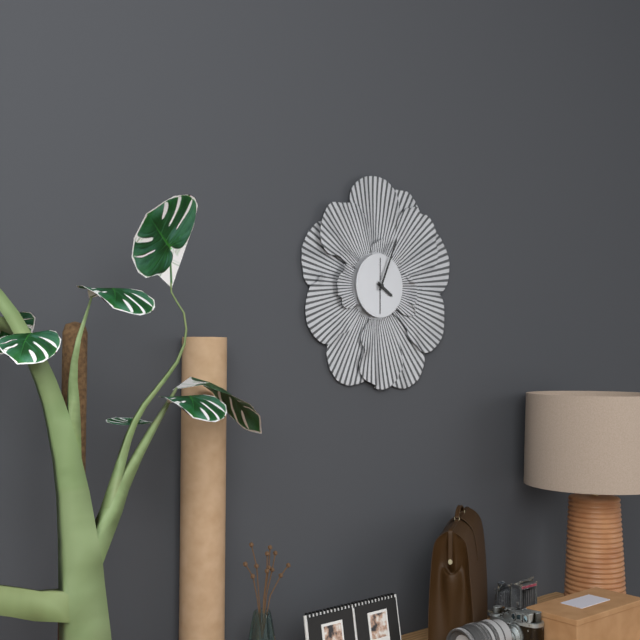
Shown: h=4 m=4
